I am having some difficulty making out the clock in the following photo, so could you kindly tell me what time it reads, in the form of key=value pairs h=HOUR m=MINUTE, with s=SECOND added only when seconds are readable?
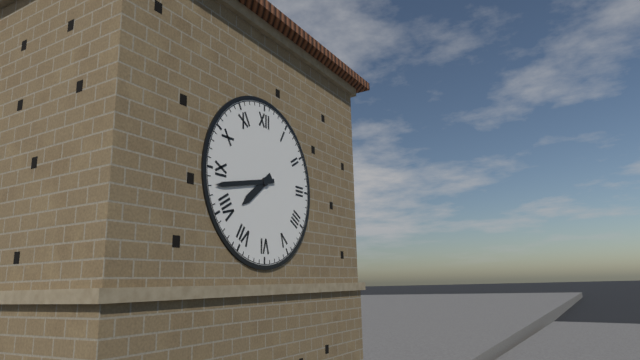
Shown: h=7 m=43
